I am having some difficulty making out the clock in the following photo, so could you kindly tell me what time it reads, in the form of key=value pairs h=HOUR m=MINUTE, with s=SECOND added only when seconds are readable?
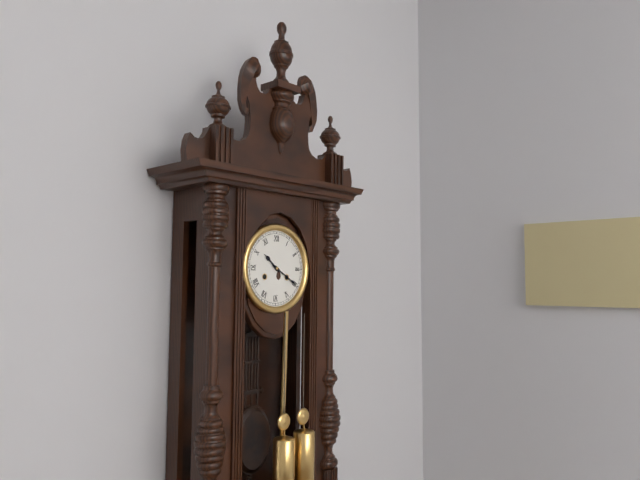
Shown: h=10 m=20
